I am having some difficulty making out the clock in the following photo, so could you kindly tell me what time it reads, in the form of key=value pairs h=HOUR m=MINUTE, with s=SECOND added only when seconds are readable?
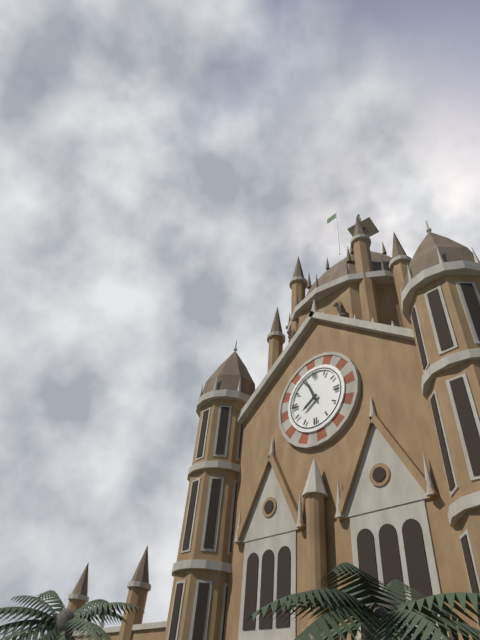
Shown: h=7 m=56
